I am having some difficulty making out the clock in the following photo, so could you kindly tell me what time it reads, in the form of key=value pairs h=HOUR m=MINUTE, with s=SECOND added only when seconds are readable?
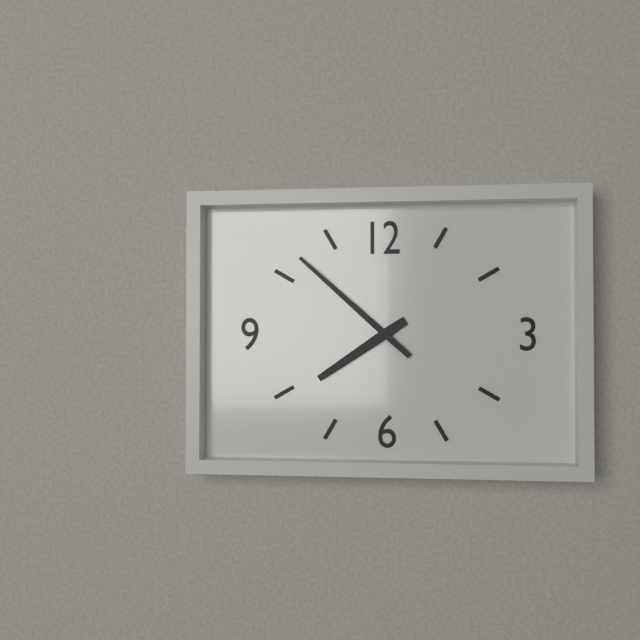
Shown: h=7 m=52
